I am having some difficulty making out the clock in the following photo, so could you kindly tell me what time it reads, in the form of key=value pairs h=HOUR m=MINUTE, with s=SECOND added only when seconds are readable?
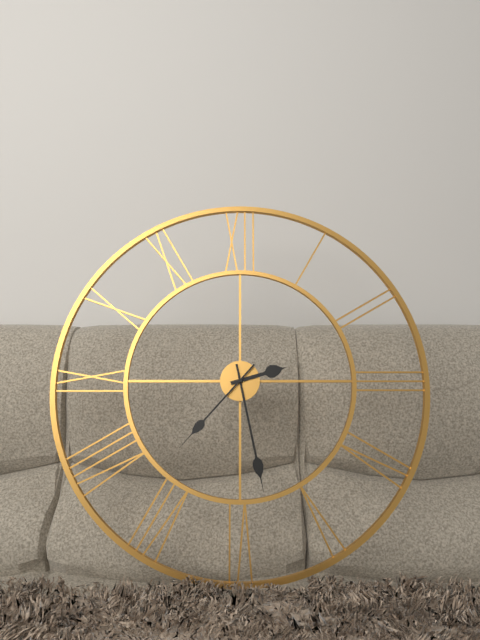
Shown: h=2 m=28 s=37
